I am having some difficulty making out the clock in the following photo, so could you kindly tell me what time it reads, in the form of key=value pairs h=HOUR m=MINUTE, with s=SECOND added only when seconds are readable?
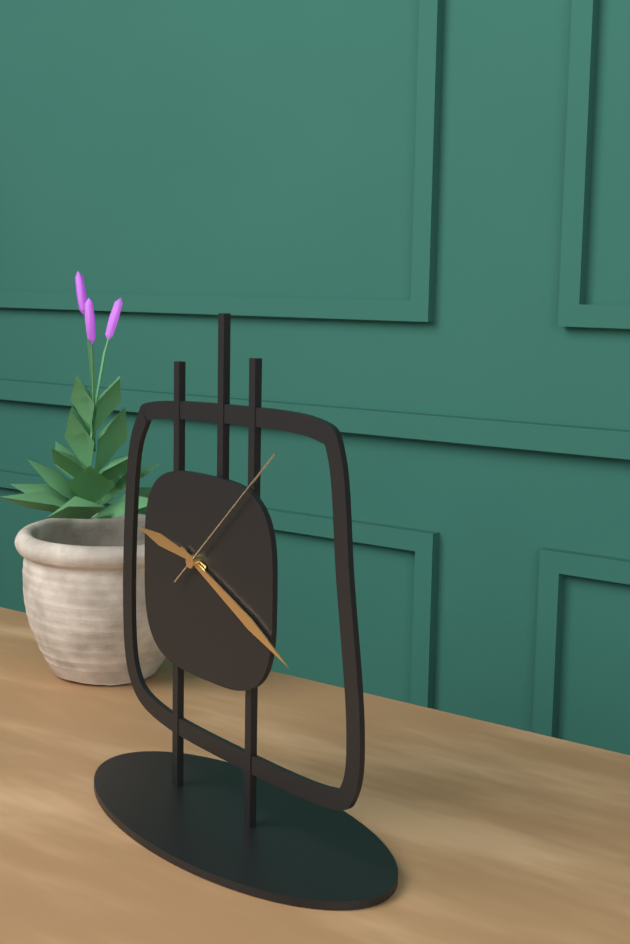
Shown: h=9 m=19 s=8
